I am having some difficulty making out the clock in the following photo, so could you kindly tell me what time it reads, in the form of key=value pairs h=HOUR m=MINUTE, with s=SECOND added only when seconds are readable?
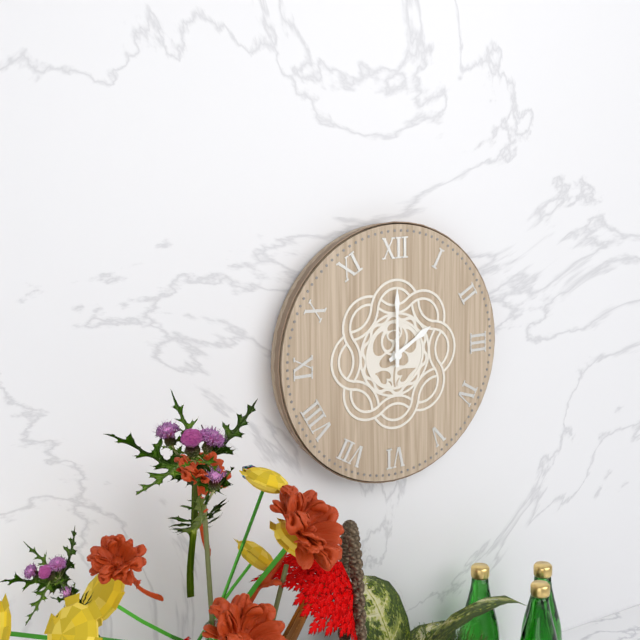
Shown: h=2 m=0
